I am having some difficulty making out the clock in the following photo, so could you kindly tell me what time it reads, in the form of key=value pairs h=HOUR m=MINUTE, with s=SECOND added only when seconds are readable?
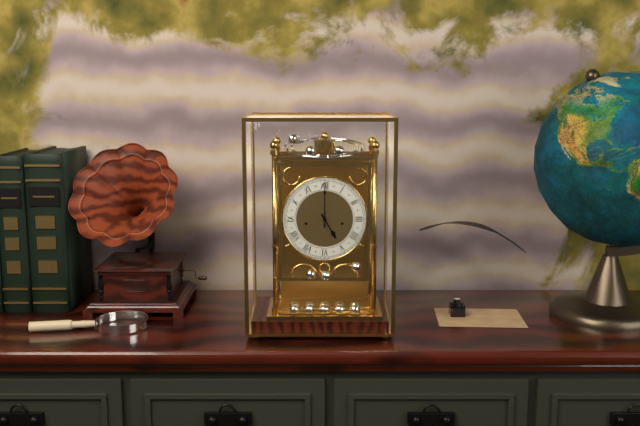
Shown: h=5 m=0
